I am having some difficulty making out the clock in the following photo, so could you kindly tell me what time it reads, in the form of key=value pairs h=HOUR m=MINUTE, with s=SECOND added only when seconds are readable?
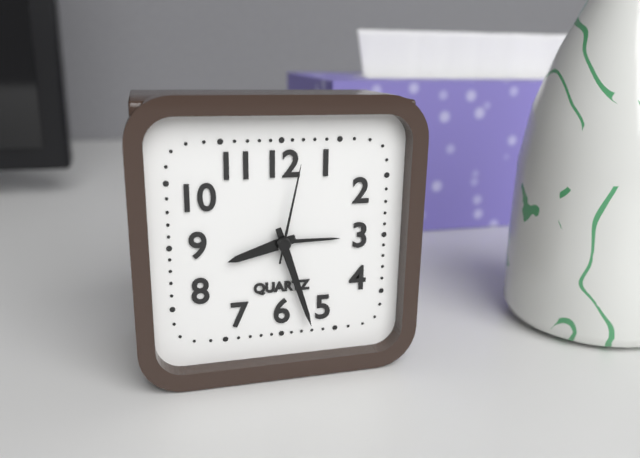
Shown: h=8 m=27 s=2
